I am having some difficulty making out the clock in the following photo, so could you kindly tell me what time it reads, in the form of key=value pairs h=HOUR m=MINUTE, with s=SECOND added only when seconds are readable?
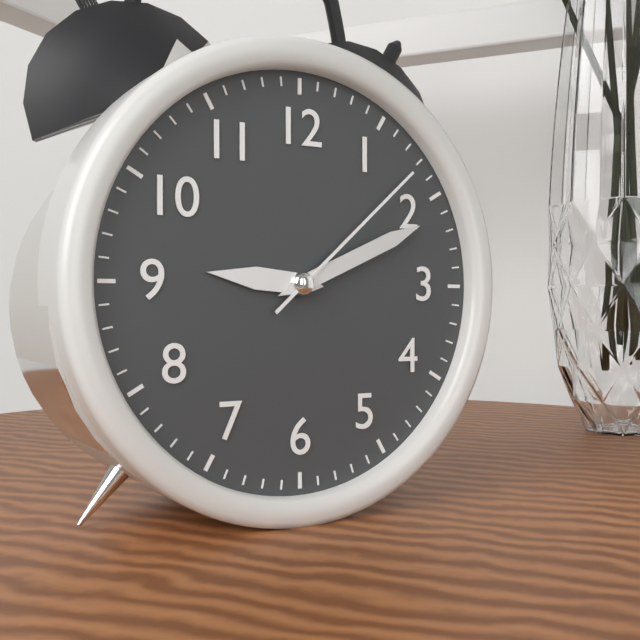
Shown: h=9 m=11 s=8
